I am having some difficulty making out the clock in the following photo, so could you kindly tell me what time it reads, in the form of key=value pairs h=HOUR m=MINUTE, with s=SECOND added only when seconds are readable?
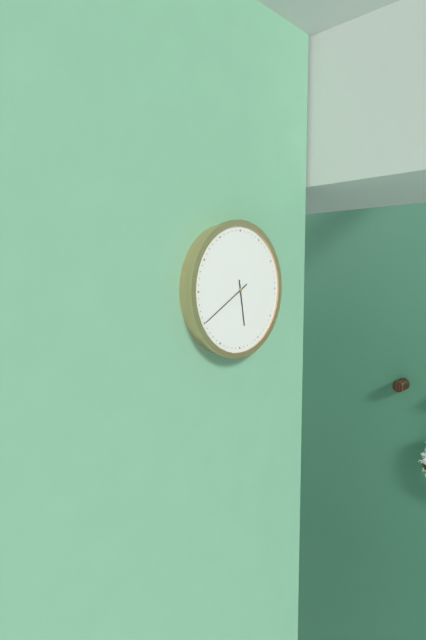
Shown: h=5 m=40
